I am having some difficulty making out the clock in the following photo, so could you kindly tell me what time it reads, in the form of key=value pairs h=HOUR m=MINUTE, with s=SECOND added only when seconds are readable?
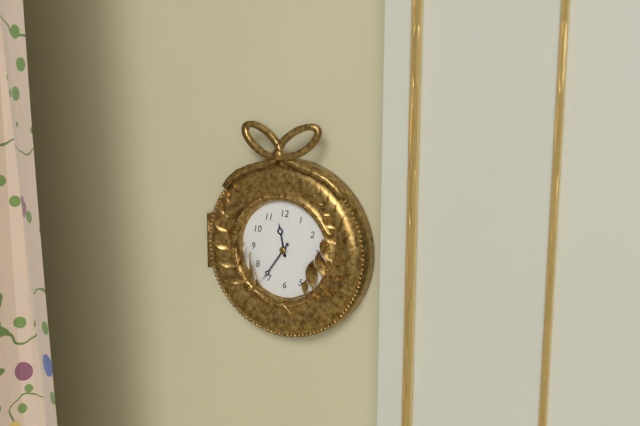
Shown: h=11 m=36
